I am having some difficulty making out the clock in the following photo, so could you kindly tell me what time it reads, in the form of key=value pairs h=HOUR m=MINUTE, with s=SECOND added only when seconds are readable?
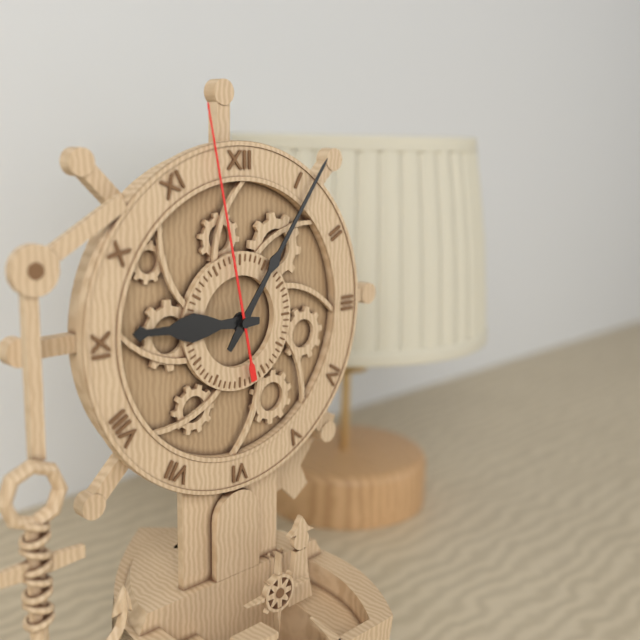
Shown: h=9 m=6 s=58
